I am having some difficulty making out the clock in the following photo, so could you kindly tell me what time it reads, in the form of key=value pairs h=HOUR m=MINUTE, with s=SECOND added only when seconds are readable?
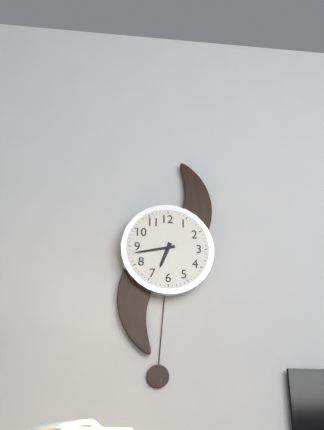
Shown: h=6 m=43
